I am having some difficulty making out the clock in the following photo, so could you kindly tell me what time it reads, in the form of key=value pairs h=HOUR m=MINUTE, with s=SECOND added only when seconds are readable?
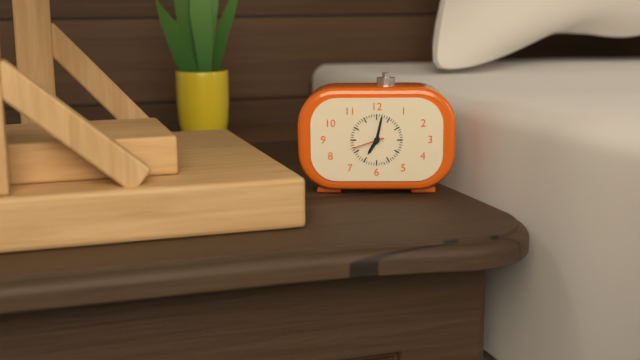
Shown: h=7 m=2
